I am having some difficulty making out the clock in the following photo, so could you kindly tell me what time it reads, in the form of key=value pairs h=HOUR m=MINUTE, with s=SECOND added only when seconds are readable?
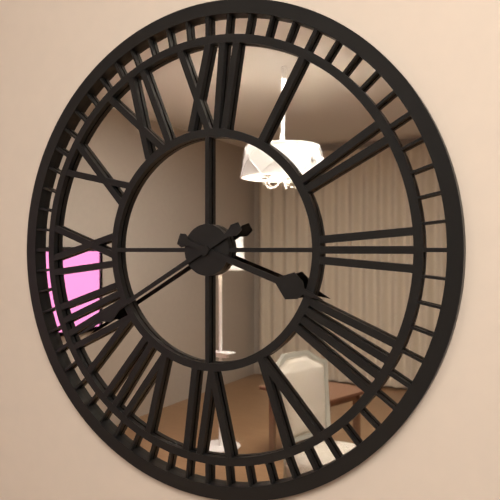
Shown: h=3 m=40
